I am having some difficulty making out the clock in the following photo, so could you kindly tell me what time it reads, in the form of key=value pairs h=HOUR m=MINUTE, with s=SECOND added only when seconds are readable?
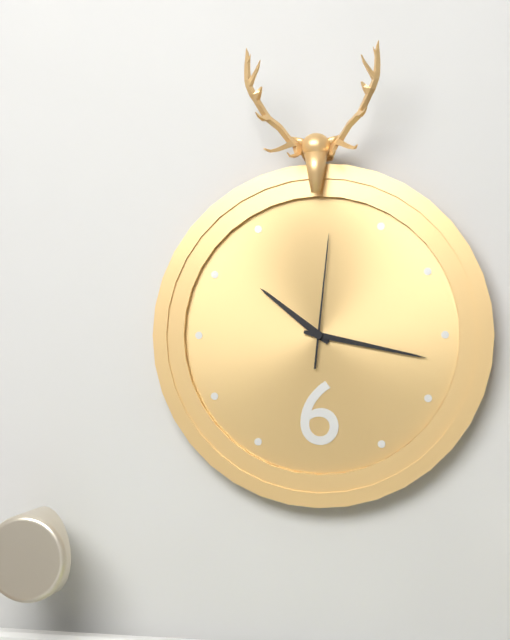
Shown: h=10 m=17 s=1
